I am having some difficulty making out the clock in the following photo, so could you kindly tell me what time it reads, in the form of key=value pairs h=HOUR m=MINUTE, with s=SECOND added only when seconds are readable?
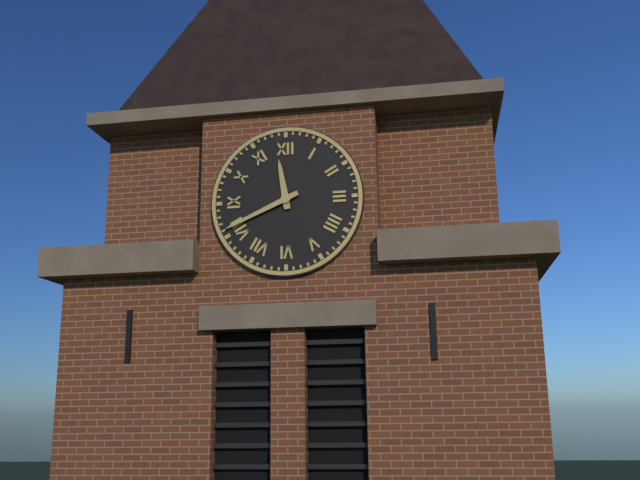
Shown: h=11 m=41
